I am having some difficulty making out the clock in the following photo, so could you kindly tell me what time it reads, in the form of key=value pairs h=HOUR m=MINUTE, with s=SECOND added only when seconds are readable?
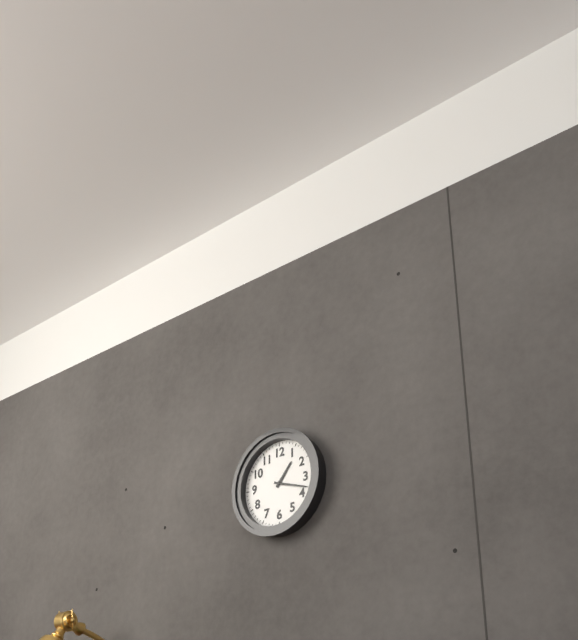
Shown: h=1 m=18
